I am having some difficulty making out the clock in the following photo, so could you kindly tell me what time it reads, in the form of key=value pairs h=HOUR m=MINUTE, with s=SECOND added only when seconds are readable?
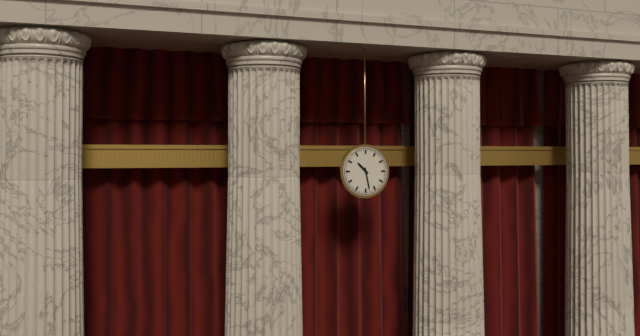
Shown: h=10 m=28
